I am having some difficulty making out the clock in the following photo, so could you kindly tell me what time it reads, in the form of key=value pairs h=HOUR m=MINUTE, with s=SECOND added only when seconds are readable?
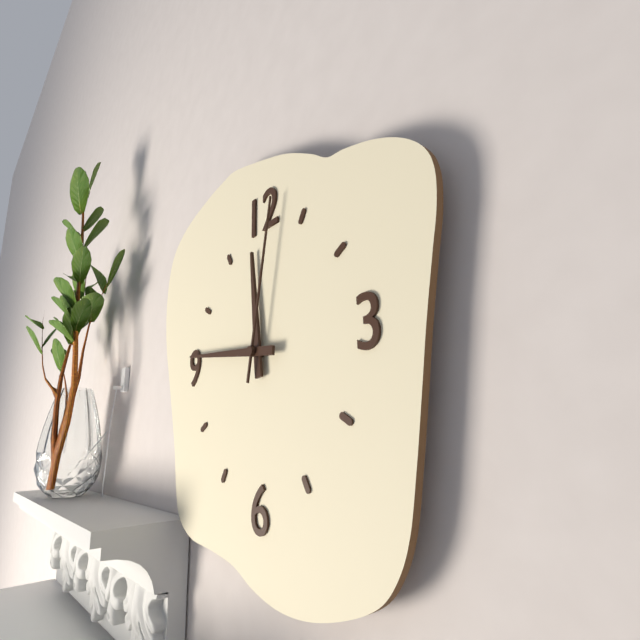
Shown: h=11 m=46 s=2
